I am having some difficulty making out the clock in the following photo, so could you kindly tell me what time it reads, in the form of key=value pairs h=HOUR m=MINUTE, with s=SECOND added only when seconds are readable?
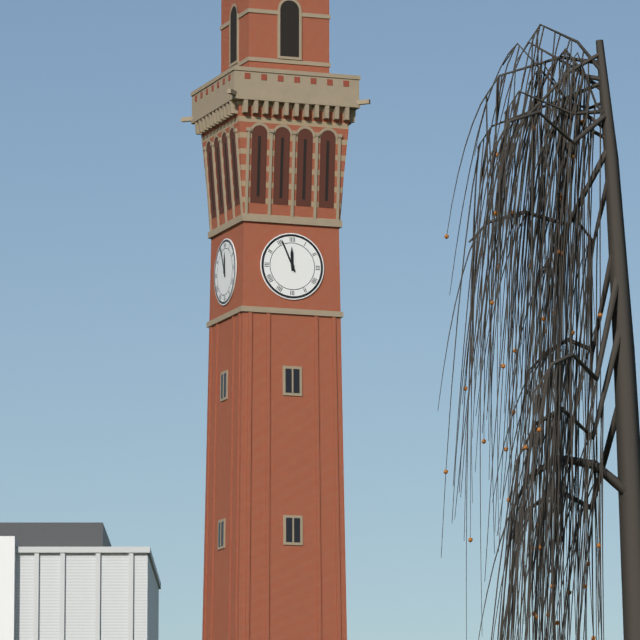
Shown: h=11 m=56
